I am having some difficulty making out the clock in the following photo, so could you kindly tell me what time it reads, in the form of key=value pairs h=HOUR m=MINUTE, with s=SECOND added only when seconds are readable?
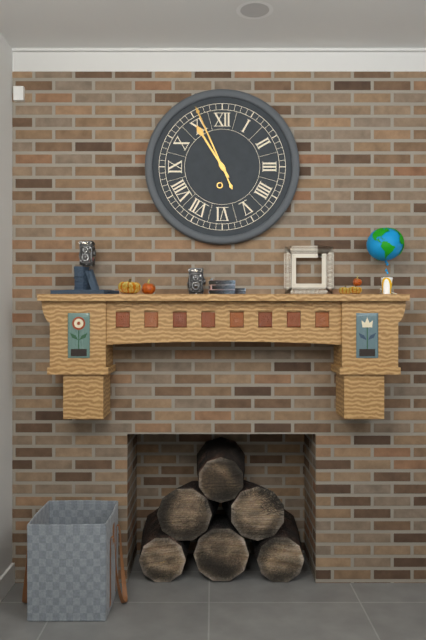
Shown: h=10 m=56
